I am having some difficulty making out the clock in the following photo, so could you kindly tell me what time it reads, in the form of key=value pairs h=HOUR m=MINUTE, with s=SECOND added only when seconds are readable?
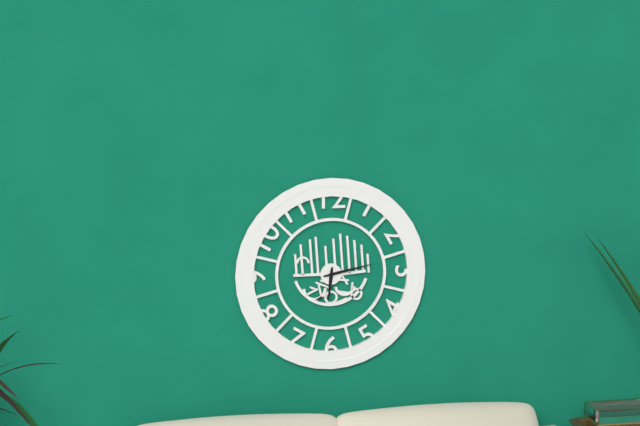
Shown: h=6 m=13
